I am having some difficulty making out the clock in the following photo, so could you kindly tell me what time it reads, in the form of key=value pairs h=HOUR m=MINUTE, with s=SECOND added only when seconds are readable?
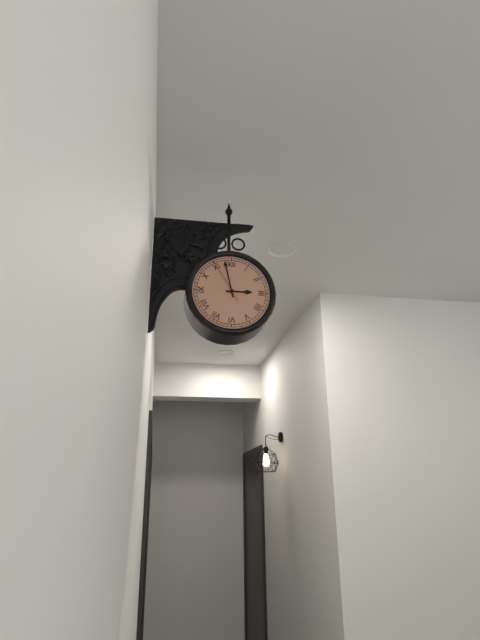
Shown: h=2 m=58 s=55
